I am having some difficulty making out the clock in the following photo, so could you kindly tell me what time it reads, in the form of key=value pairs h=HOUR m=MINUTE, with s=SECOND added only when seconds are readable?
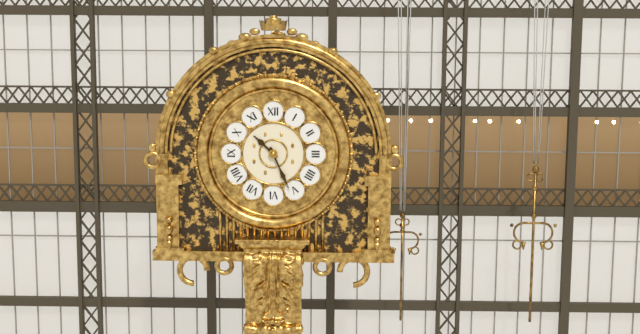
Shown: h=10 m=26
